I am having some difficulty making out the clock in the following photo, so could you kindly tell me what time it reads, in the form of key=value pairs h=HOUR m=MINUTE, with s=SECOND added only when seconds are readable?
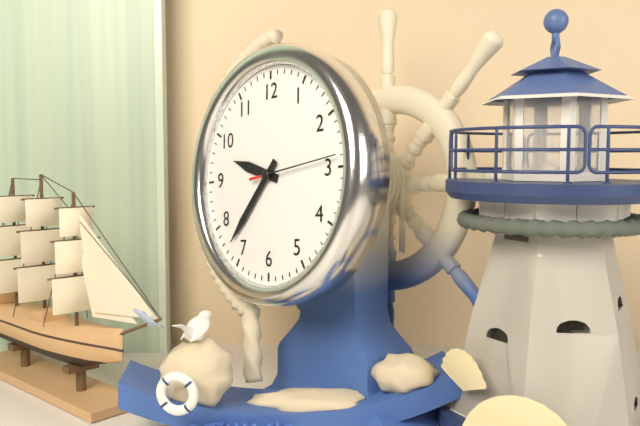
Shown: h=9 m=37 s=14
